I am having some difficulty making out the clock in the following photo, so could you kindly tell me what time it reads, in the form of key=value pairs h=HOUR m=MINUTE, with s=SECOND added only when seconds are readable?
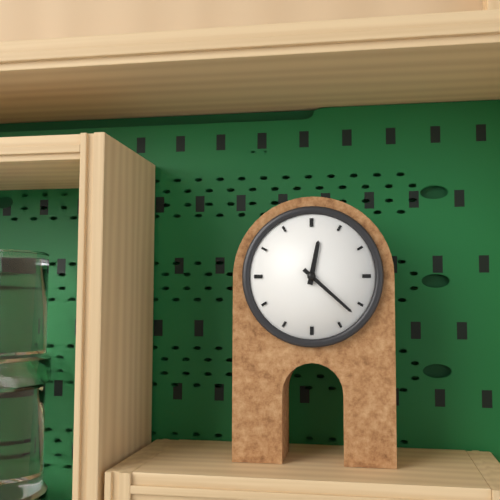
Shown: h=12 m=22
